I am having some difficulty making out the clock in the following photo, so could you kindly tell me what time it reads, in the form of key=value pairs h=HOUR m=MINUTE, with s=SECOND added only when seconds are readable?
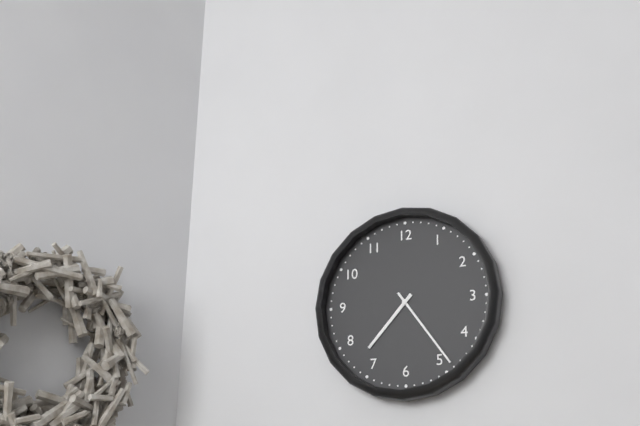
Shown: h=7 m=24
